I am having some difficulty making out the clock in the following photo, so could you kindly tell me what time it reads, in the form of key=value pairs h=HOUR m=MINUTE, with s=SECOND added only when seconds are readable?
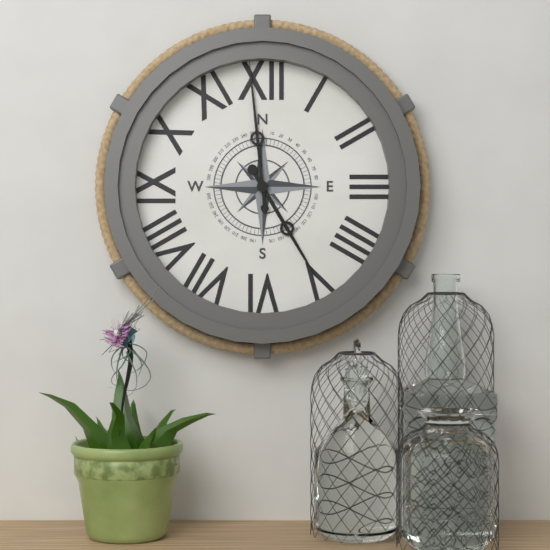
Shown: h=4 m=59
